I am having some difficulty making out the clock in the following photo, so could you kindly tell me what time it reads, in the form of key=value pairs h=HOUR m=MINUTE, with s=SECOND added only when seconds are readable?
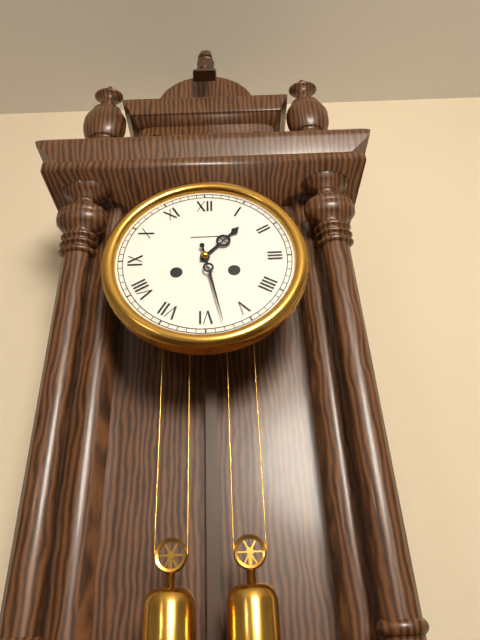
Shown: h=1 m=28
